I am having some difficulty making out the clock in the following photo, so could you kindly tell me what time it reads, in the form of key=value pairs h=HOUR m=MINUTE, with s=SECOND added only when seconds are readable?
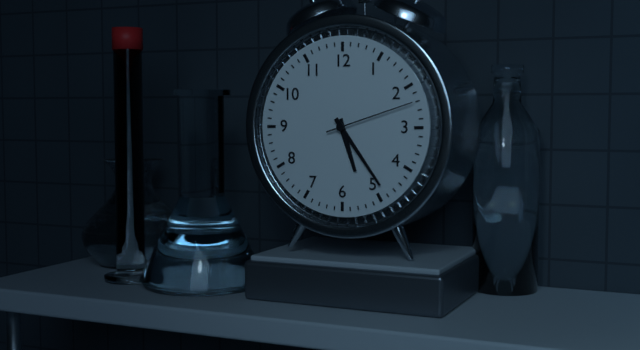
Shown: h=5 m=24 s=12
